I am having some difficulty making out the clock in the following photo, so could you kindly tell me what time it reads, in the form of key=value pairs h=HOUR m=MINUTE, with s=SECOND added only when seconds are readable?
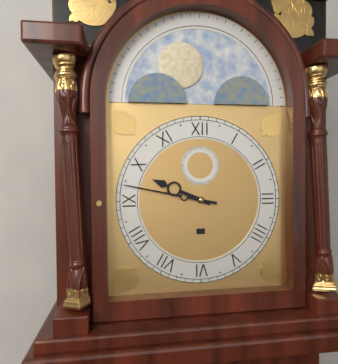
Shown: h=9 m=47
